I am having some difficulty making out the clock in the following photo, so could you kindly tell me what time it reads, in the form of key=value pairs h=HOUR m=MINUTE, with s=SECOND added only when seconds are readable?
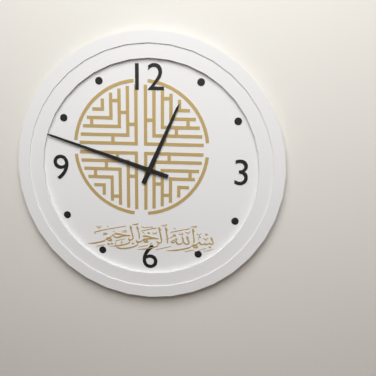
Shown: h=12 m=48
